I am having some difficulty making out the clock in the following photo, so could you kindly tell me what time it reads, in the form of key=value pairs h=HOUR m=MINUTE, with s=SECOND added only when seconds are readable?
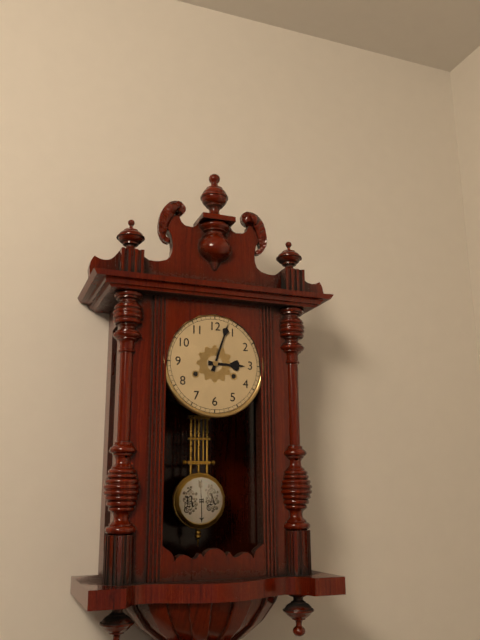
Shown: h=3 m=3
